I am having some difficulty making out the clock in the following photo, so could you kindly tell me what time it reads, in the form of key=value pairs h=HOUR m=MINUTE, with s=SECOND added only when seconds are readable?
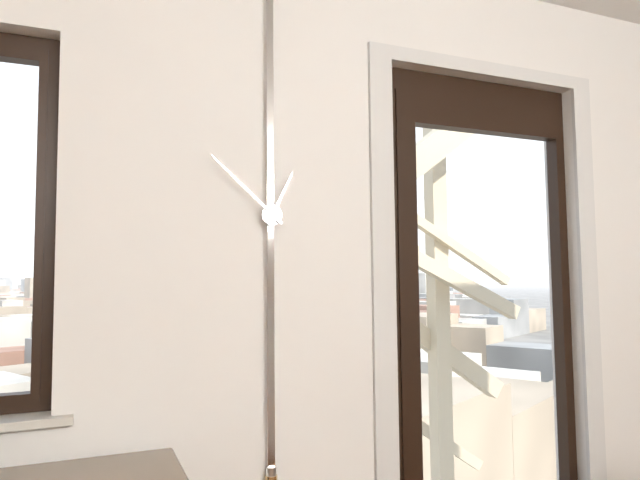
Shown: h=12 m=52
